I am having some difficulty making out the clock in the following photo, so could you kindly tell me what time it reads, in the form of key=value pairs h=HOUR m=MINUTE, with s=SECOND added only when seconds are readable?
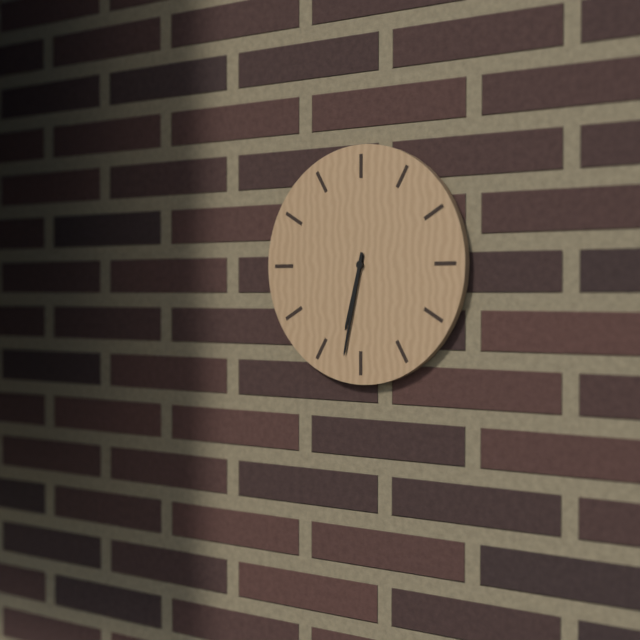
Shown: h=6 m=32
